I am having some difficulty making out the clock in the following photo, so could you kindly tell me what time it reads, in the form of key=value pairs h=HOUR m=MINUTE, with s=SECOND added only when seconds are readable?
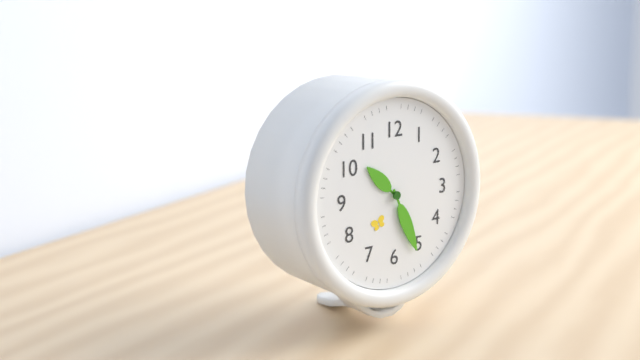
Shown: h=10 m=26
